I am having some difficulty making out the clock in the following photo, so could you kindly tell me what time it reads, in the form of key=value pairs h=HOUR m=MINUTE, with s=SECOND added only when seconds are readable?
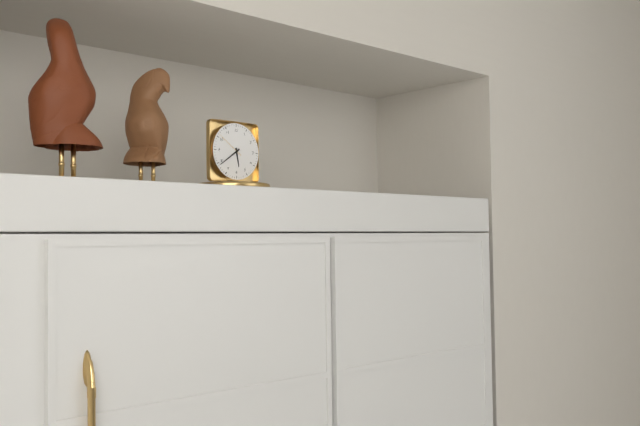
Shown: h=5 m=39
